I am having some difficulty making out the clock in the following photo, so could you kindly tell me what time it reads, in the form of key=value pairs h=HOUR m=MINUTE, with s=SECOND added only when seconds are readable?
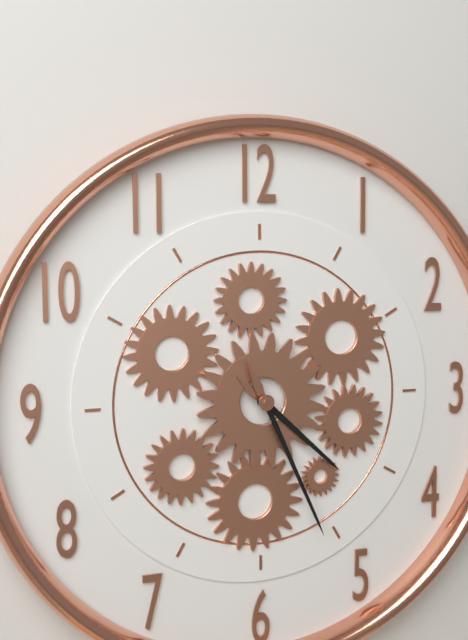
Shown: h=4 m=26
